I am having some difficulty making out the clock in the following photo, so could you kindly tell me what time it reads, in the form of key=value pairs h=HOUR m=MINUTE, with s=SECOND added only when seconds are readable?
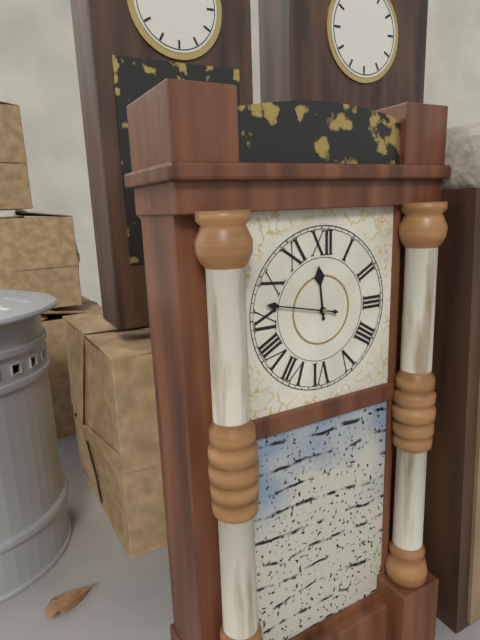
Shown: h=11 m=47
